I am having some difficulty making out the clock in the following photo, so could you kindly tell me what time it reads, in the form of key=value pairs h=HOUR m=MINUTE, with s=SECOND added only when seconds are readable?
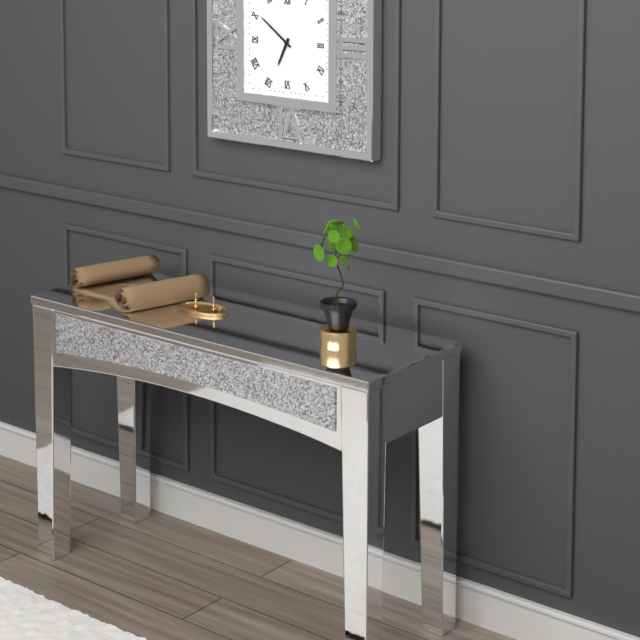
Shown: h=6 m=51
